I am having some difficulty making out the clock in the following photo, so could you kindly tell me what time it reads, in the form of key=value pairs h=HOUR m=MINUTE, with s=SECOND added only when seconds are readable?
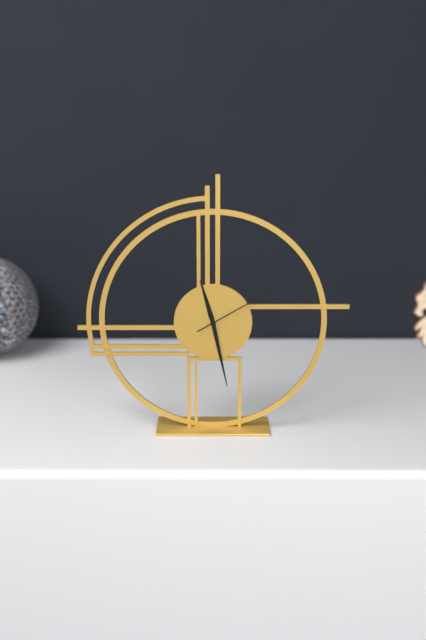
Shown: h=11 m=28 s=10
